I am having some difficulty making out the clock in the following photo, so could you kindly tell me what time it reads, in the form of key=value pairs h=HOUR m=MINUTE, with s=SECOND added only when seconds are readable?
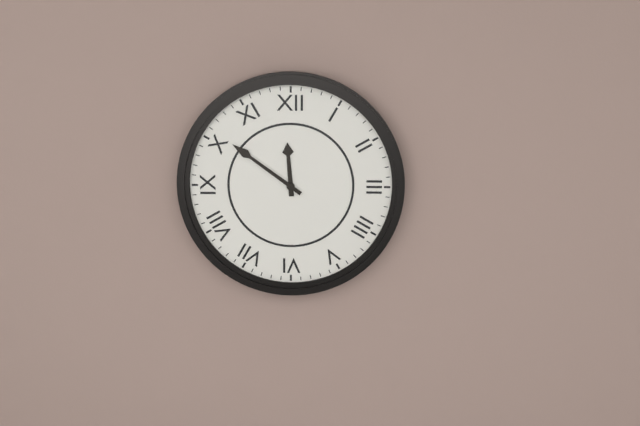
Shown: h=11 m=51
